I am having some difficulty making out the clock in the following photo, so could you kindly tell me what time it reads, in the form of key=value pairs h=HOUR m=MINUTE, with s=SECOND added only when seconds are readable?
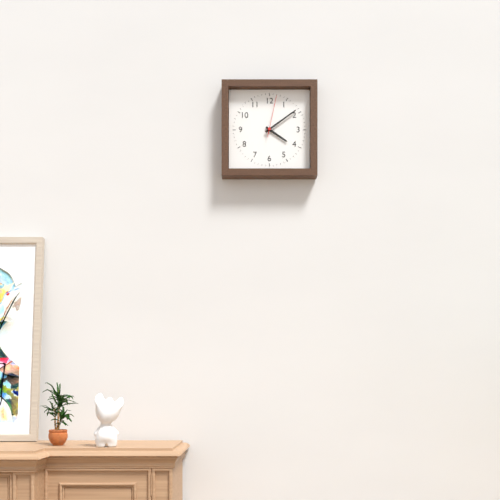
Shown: h=4 m=9
